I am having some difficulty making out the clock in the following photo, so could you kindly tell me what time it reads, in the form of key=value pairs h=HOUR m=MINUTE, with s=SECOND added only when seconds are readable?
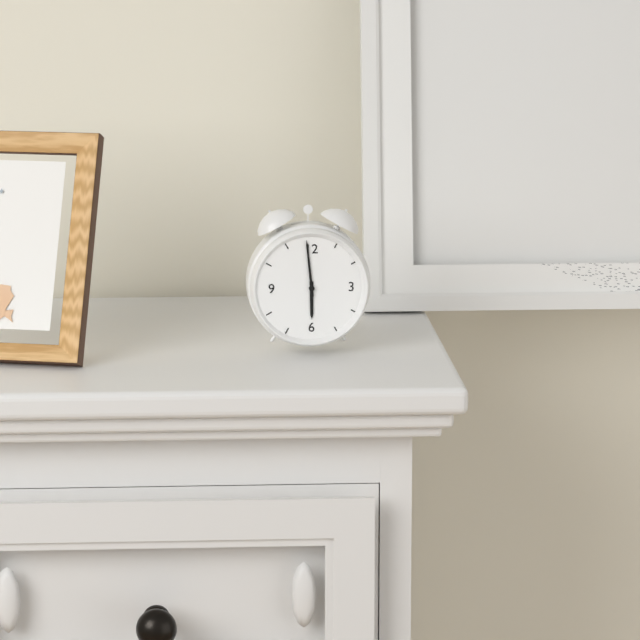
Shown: h=5 m=59
